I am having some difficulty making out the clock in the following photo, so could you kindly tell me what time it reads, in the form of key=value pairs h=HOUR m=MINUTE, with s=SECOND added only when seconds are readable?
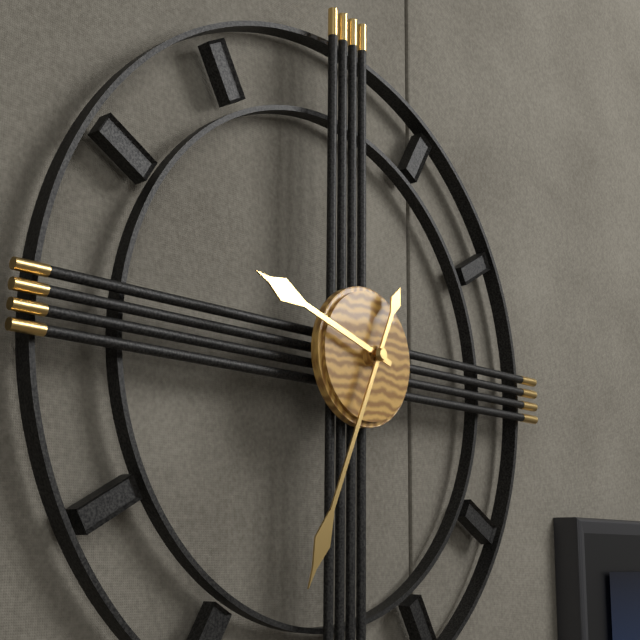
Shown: h=9 m=34
